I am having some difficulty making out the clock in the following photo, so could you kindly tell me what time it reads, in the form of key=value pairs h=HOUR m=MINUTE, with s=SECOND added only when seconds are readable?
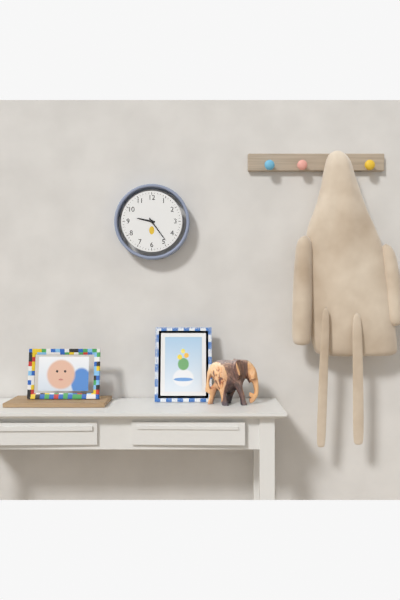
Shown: h=9 m=24
